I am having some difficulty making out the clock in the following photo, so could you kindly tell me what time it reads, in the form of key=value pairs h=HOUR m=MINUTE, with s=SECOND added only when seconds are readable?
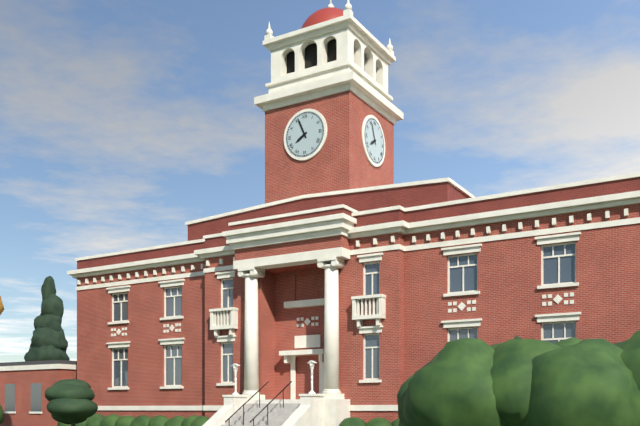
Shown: h=7 m=56
